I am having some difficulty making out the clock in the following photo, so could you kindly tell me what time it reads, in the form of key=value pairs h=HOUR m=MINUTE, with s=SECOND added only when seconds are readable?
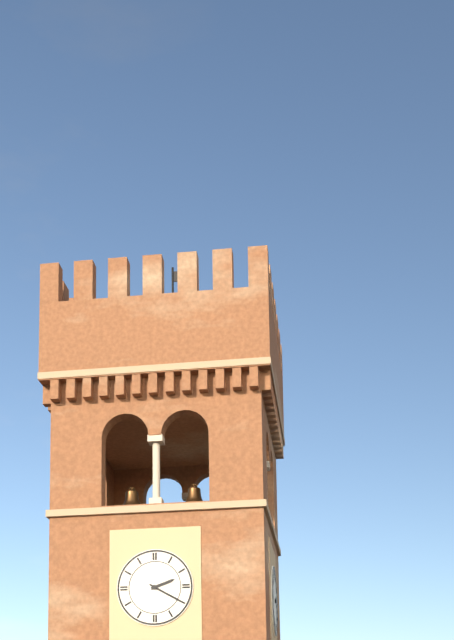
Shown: h=2 m=20
